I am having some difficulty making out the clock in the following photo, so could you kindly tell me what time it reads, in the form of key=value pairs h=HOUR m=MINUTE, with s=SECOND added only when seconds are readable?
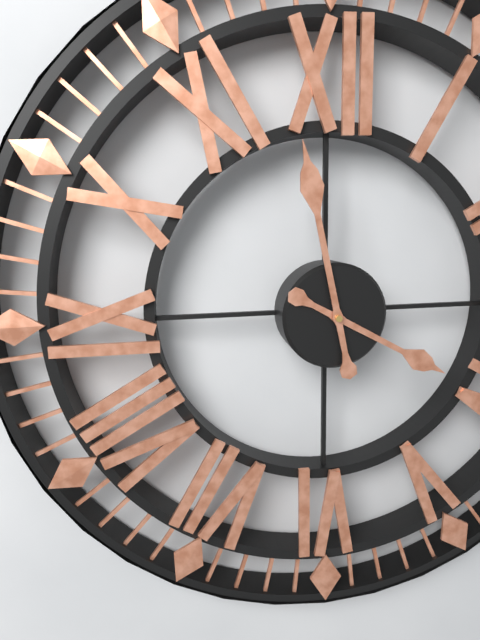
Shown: h=3 m=58
